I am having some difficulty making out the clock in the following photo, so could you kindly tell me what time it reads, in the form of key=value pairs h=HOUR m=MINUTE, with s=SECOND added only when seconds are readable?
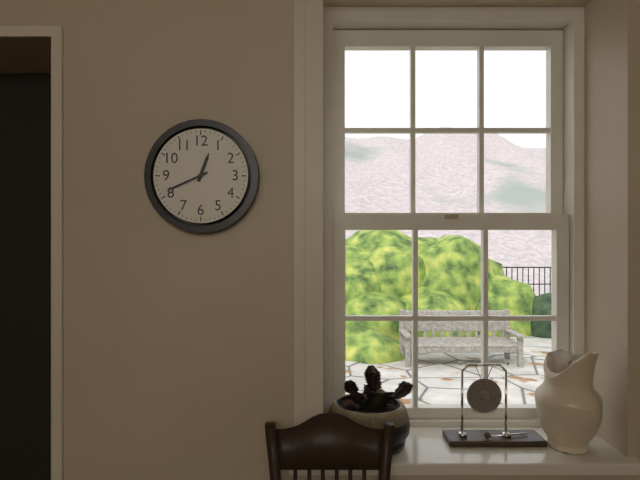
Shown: h=12 m=41
